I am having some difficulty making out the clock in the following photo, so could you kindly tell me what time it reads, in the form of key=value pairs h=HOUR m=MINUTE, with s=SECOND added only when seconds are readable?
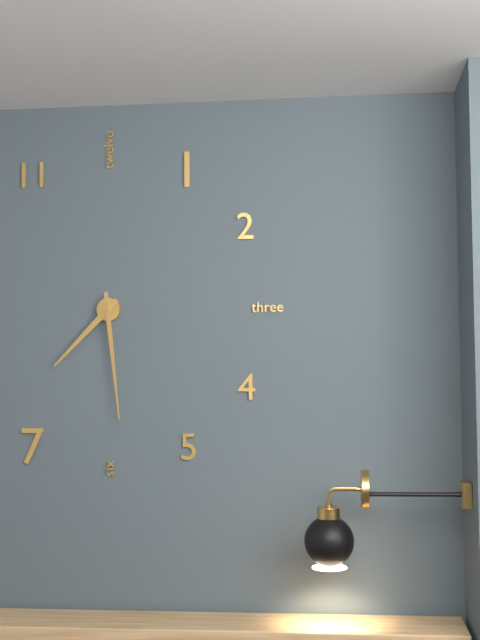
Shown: h=7 m=29
